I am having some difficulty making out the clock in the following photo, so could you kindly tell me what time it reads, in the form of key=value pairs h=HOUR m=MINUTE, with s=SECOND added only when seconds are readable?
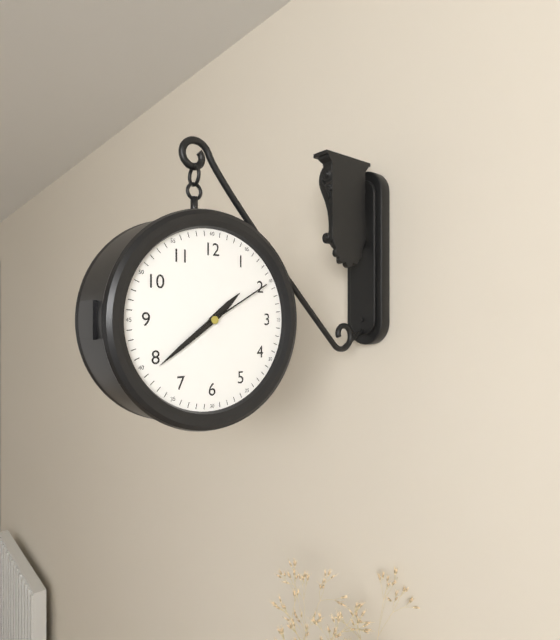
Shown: h=1 m=39 s=10
